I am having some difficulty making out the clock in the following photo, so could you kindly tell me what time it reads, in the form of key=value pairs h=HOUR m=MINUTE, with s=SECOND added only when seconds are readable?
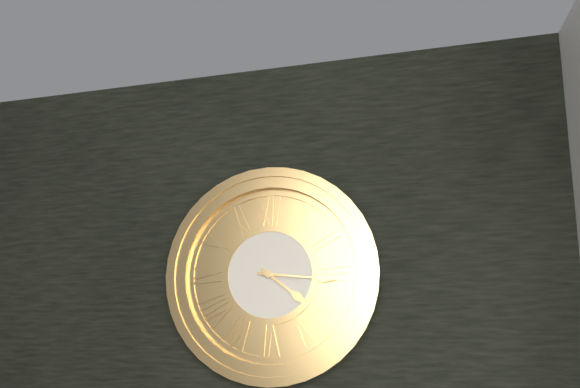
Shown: h=4 m=16
